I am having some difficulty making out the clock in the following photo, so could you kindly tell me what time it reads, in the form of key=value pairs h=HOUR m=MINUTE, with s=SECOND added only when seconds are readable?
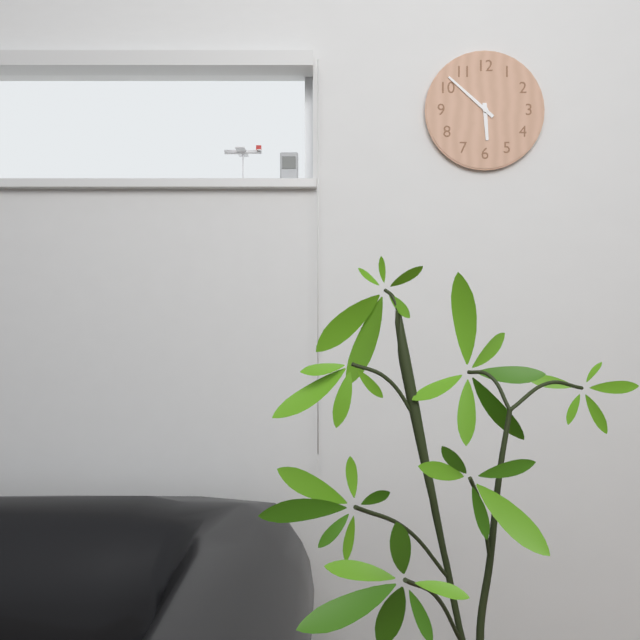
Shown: h=5 m=52
